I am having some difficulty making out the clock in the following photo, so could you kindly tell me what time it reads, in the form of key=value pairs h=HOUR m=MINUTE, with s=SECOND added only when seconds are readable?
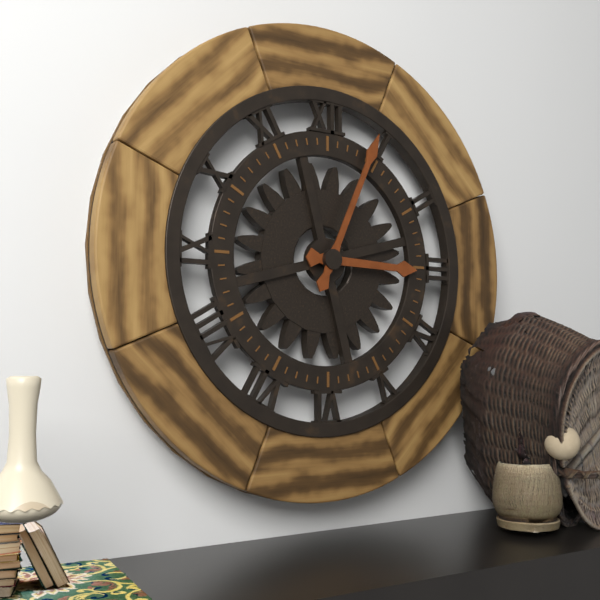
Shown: h=3 m=4
